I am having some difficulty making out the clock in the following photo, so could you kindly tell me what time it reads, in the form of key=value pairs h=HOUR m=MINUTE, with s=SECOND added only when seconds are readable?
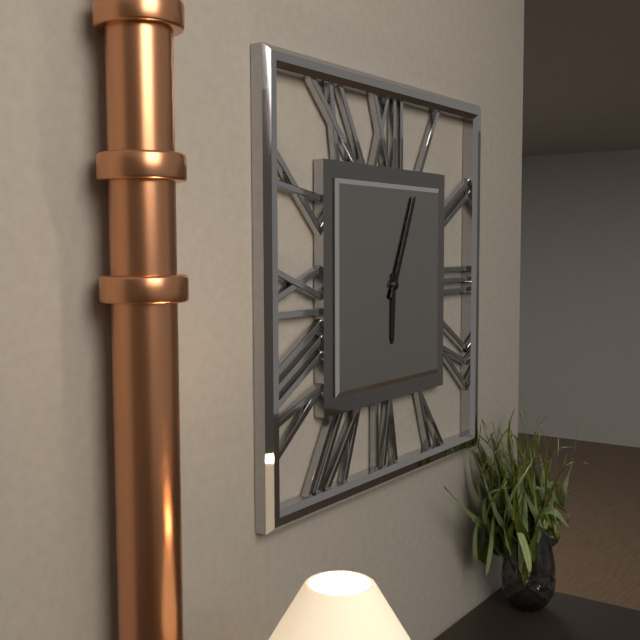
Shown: h=6 m=4
